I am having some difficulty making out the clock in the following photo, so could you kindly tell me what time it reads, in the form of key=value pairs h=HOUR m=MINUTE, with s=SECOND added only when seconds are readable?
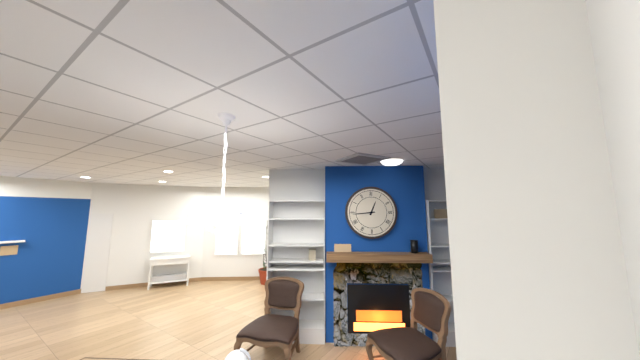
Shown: h=12 m=44
